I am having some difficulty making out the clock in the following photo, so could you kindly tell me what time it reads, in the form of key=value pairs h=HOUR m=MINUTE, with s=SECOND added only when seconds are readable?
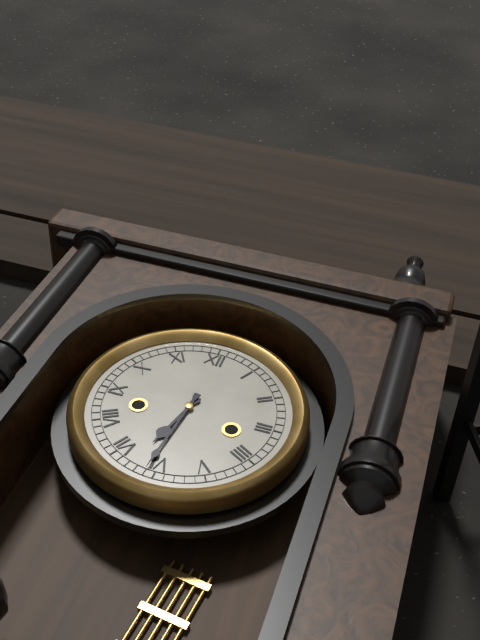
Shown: h=6 m=31
